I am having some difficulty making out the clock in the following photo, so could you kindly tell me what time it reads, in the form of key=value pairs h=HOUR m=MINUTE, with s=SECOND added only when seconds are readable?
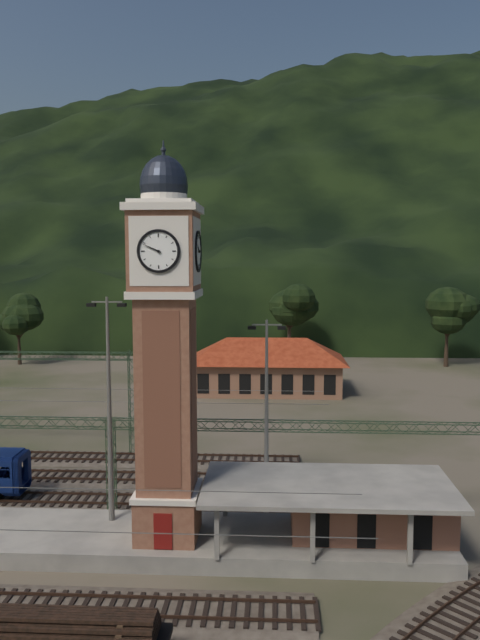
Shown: h=9 m=49
